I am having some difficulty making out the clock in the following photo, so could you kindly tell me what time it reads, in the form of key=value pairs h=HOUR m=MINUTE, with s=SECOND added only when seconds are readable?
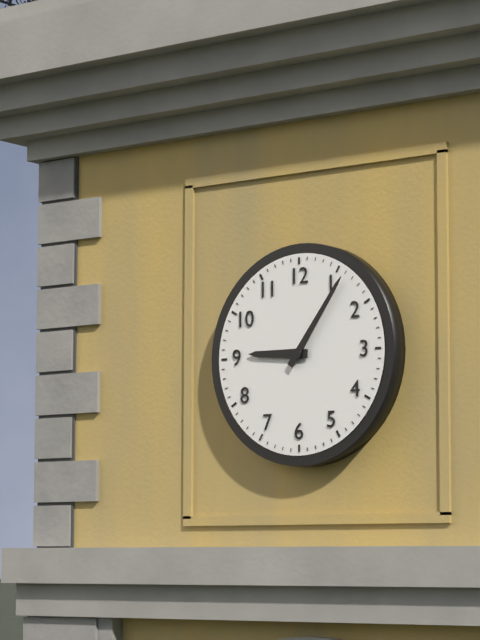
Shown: h=9 m=6
